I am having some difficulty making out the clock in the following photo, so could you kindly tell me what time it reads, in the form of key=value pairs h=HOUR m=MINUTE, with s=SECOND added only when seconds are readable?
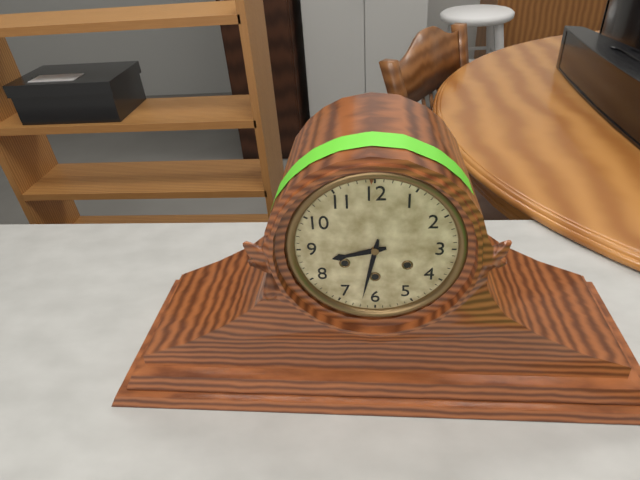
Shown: h=8 m=32
